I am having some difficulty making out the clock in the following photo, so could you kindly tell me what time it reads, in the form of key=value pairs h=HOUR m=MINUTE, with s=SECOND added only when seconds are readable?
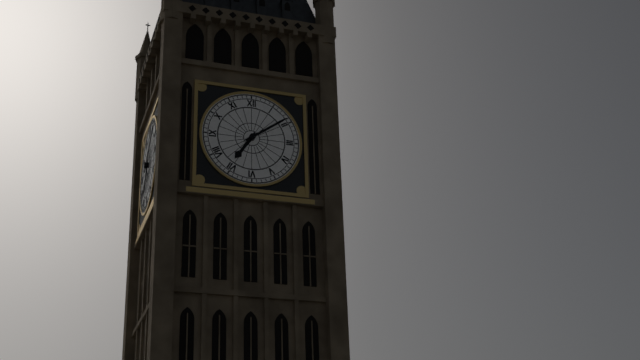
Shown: h=7 m=9
